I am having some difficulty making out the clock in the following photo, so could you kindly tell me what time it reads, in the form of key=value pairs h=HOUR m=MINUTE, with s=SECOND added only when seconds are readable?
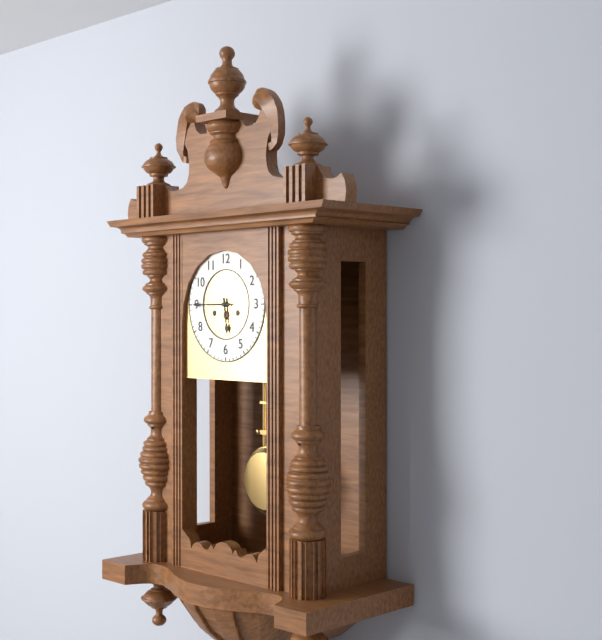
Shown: h=5 m=45
